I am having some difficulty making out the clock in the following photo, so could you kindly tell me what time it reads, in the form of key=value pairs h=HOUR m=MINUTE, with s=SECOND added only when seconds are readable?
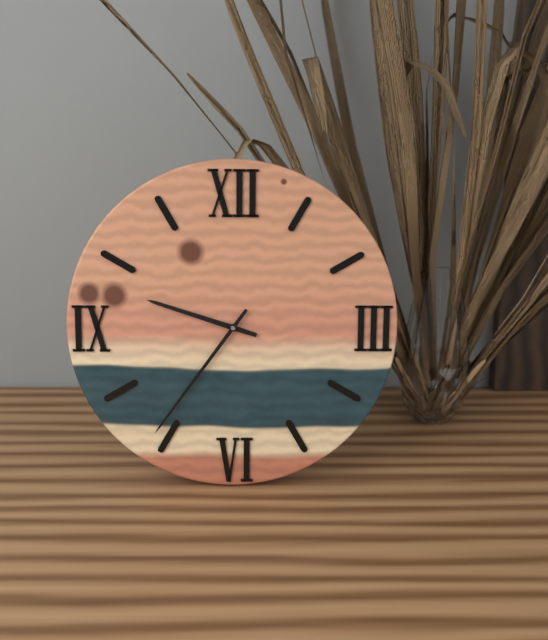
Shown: h=9 m=36
